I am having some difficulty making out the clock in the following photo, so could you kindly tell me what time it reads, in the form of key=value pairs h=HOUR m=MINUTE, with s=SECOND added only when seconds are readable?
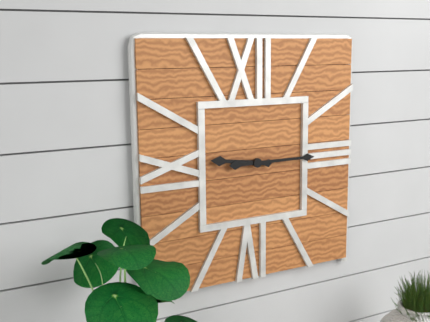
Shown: h=9 m=15
